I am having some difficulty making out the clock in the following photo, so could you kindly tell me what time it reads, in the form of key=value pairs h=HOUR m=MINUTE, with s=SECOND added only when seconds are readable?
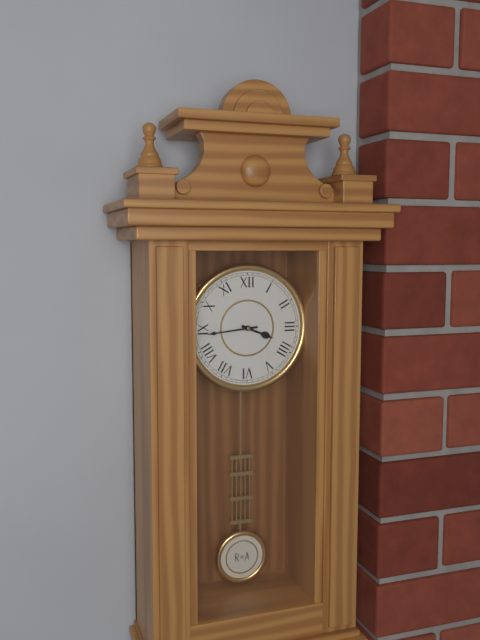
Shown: h=3 m=44
